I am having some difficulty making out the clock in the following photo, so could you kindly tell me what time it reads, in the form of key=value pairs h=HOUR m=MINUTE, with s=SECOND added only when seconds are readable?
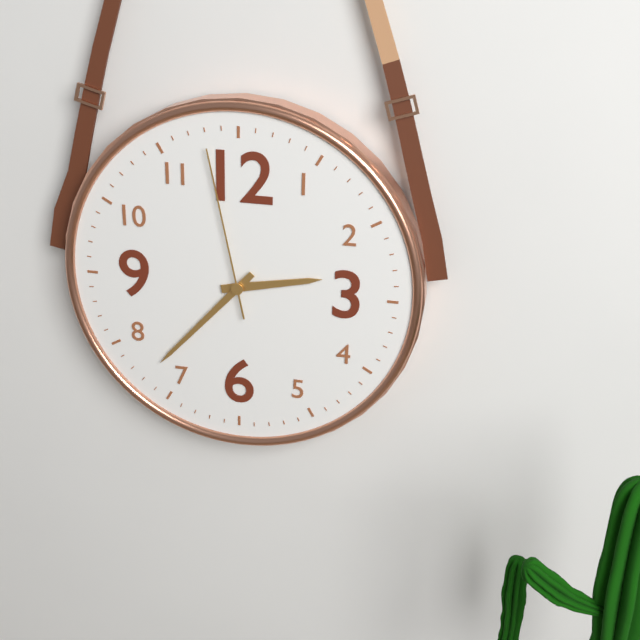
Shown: h=2 m=37 s=58
